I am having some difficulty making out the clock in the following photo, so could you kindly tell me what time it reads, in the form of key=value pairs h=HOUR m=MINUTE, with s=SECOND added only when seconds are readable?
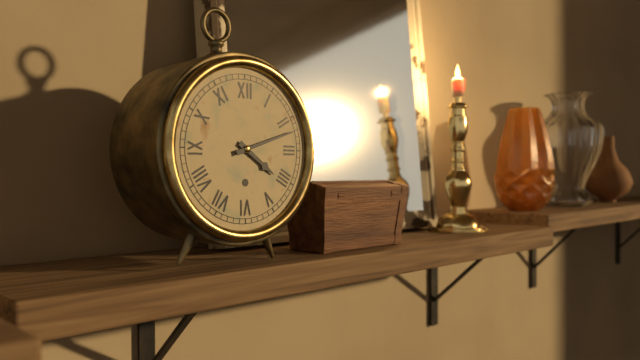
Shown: h=4 m=12
